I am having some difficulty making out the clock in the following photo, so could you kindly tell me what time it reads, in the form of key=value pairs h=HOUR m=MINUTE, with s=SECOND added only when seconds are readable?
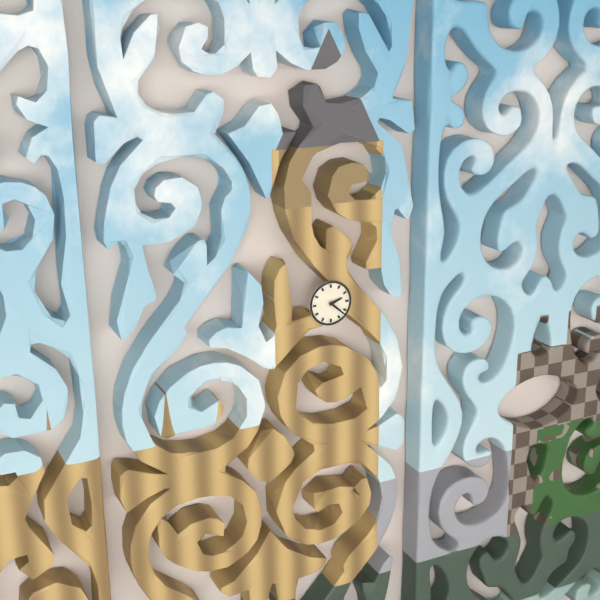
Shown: h=2 m=22
